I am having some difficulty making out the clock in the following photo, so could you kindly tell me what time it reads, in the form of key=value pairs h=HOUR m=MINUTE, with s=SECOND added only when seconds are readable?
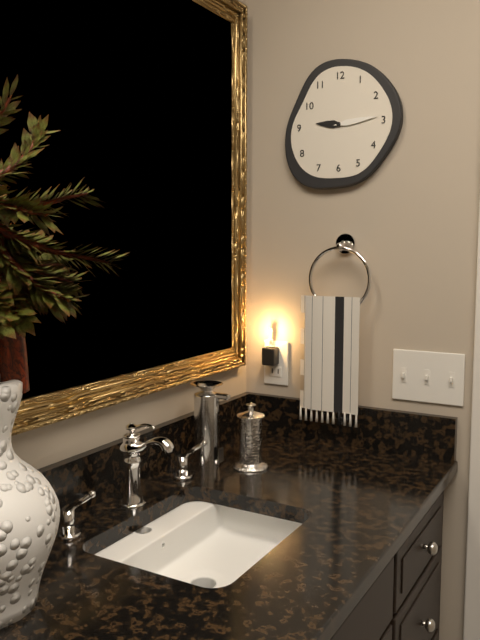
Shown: h=9 m=14
